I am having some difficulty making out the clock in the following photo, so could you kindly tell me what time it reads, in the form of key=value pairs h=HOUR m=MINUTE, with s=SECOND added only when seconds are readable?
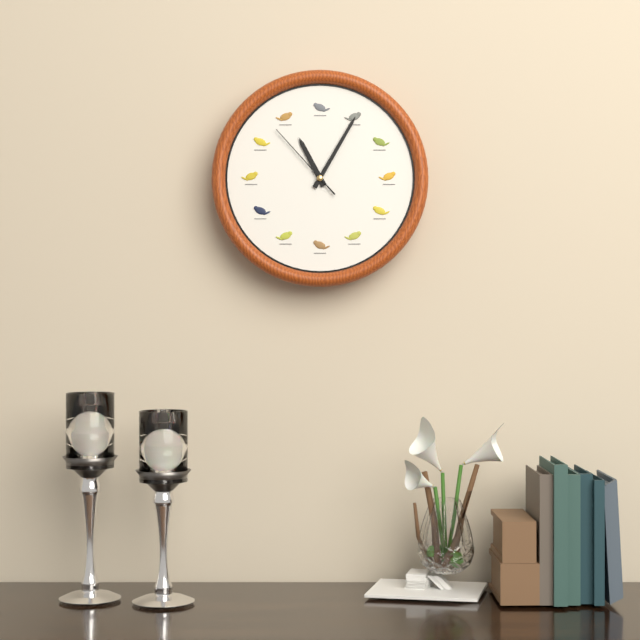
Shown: h=11 m=5 s=53
